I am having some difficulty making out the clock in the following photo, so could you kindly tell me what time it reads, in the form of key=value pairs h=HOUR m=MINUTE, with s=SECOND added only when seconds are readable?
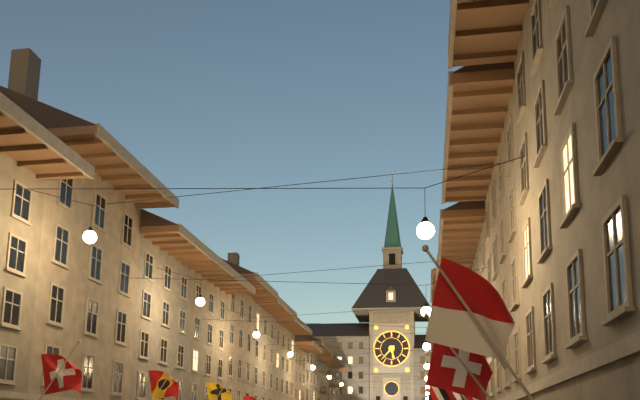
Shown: h=5 m=37
